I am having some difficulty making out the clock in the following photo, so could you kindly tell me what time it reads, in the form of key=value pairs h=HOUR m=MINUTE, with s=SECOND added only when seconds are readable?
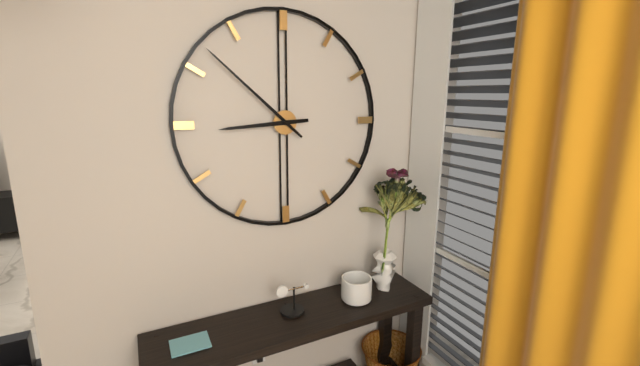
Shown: h=8 m=52
